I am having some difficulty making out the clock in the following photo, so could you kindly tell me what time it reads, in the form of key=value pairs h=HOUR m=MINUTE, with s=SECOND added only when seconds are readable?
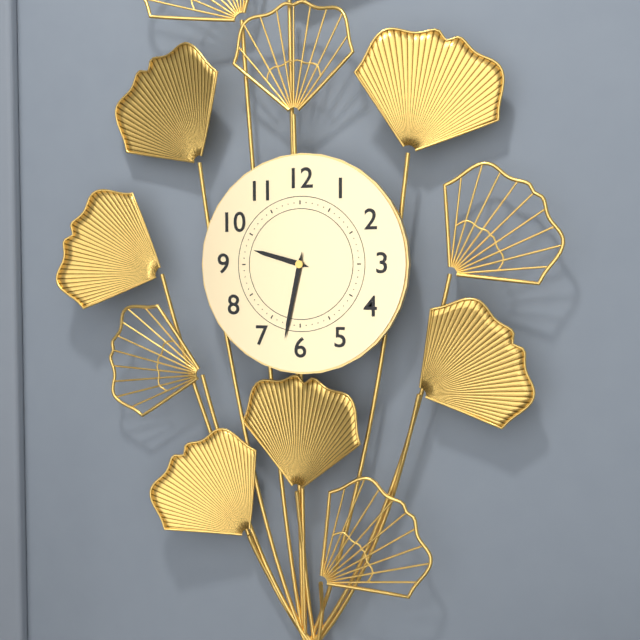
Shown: h=9 m=32
